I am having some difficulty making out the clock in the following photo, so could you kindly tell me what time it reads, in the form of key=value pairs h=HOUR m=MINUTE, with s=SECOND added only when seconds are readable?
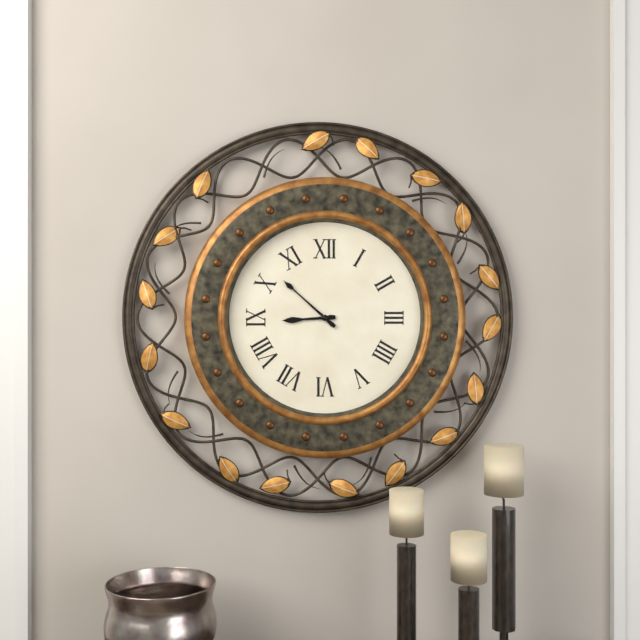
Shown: h=8 m=52
